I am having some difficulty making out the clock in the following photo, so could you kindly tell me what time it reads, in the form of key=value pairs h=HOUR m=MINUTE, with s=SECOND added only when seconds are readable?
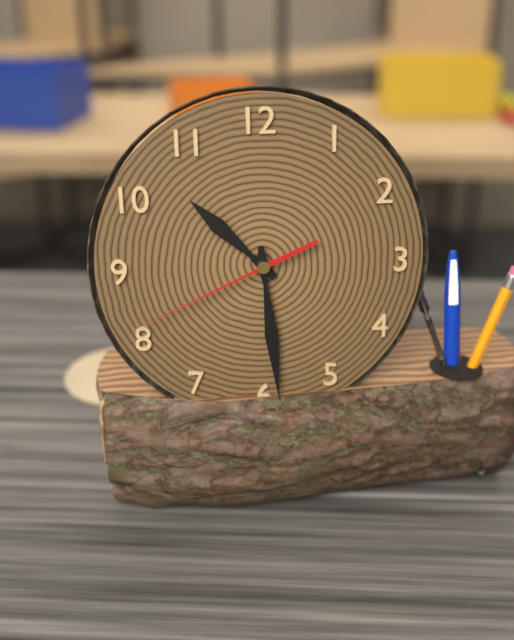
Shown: h=10 m=29 s=41
